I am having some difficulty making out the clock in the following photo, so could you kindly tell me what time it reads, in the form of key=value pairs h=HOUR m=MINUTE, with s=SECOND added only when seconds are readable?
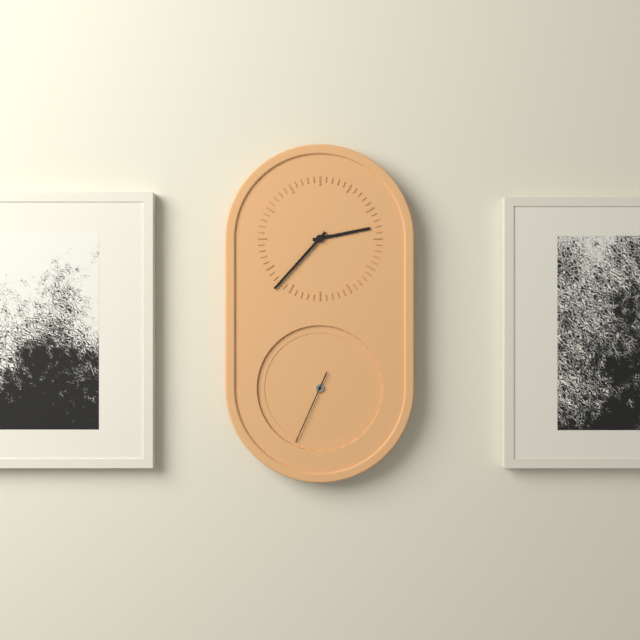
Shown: h=2 m=37 s=34
